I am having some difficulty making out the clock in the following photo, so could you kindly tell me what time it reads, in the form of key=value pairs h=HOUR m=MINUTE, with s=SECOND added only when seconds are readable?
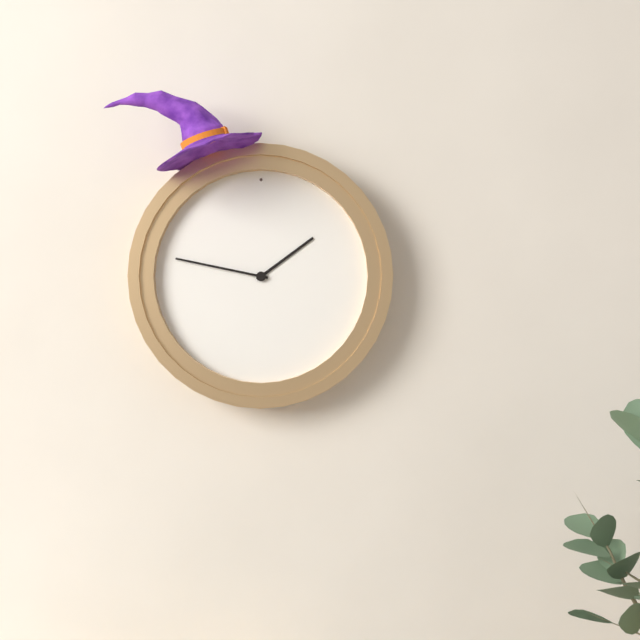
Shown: h=1 m=47
